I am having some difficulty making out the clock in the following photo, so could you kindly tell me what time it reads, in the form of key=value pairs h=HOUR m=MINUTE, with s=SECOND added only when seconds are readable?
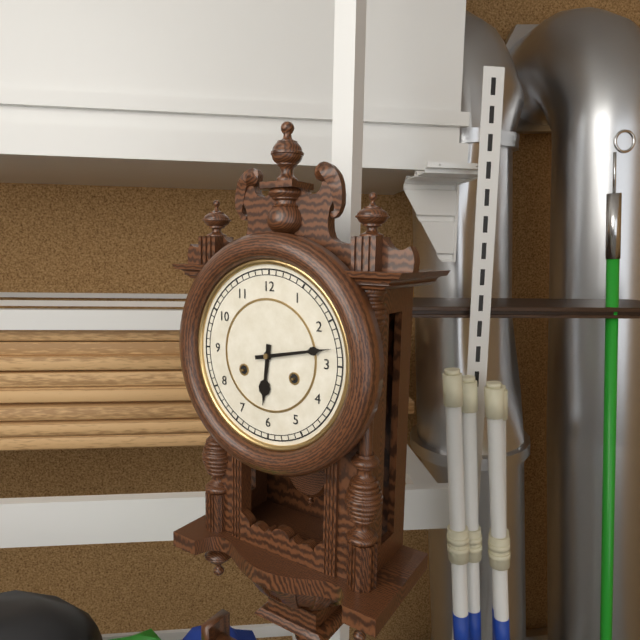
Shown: h=6 m=13
